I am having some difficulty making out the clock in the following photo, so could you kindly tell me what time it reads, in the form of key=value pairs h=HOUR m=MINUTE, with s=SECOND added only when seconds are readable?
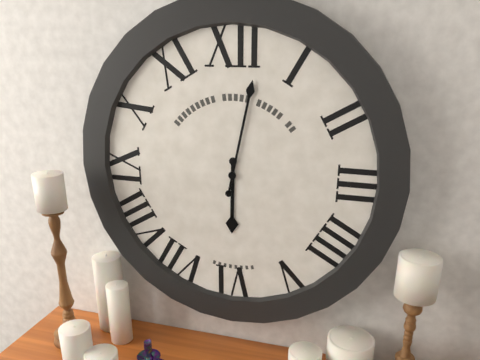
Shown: h=6 m=2
